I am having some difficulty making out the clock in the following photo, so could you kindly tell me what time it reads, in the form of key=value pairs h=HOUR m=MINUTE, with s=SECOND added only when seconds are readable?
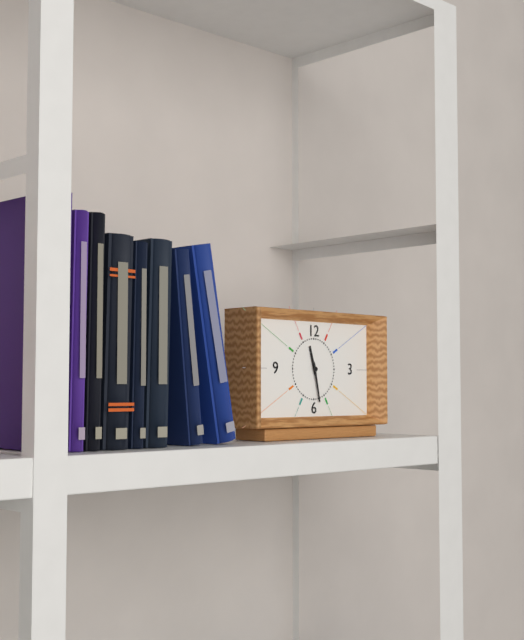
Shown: h=11 m=28
